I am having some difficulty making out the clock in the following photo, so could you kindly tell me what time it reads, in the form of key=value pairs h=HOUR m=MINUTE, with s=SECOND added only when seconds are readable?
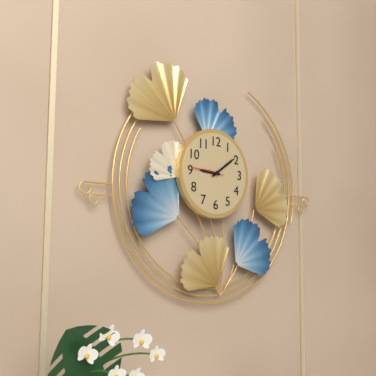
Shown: h=9 m=9
